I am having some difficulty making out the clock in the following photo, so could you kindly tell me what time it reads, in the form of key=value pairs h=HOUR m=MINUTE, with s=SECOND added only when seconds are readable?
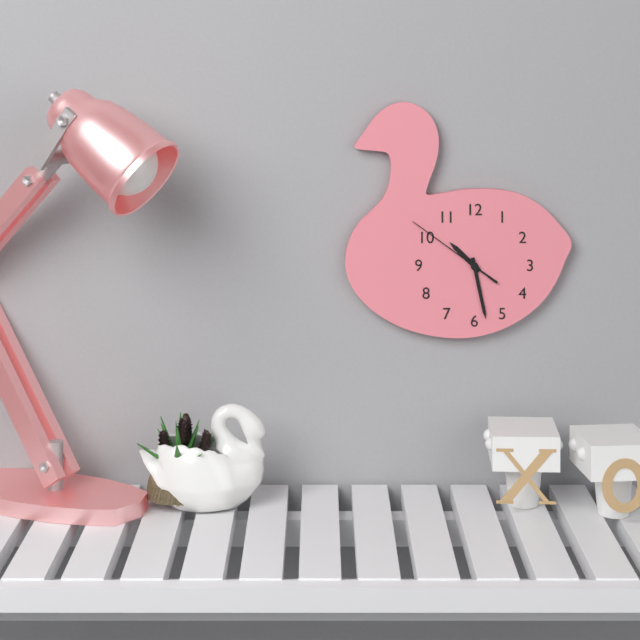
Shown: h=10 m=28 s=51
